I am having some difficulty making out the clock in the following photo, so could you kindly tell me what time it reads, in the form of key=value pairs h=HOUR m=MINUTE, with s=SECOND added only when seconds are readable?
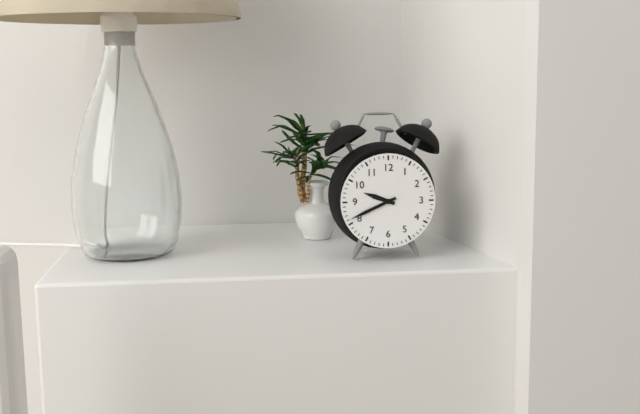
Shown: h=9 m=41
